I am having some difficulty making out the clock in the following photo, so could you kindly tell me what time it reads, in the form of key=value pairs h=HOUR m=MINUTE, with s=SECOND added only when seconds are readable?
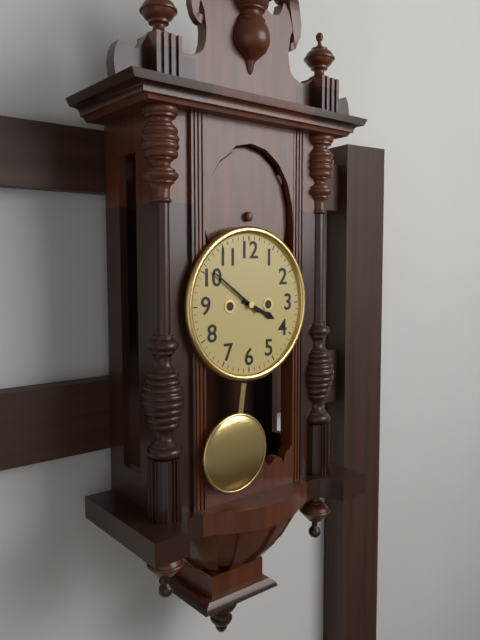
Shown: h=3 m=51
